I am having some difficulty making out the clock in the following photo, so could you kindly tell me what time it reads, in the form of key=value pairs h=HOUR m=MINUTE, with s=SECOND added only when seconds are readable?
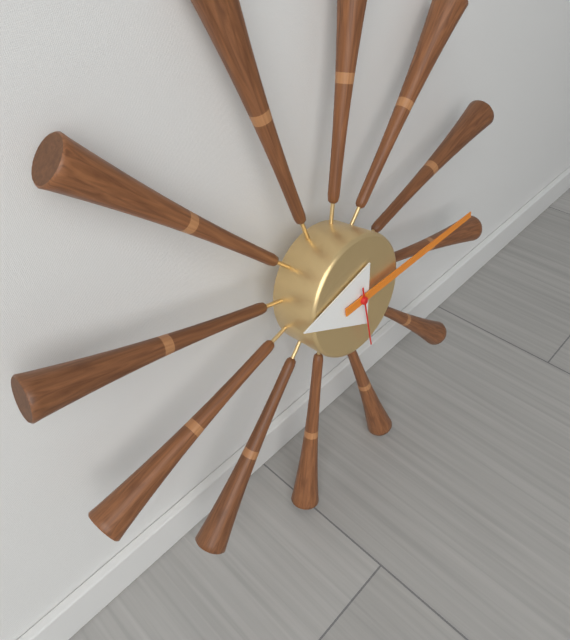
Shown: h=9 m=15 s=29
